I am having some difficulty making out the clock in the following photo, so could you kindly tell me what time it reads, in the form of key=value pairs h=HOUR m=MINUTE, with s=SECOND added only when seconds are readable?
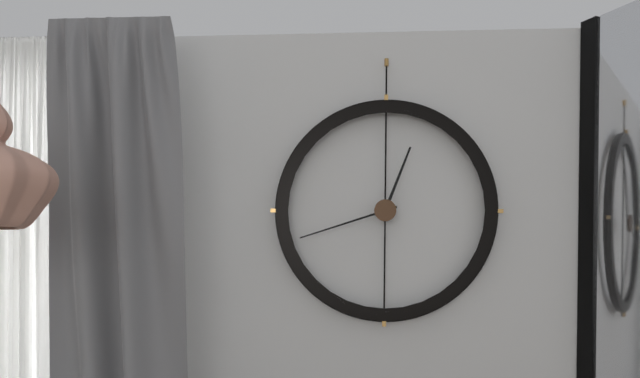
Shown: h=12 m=42
